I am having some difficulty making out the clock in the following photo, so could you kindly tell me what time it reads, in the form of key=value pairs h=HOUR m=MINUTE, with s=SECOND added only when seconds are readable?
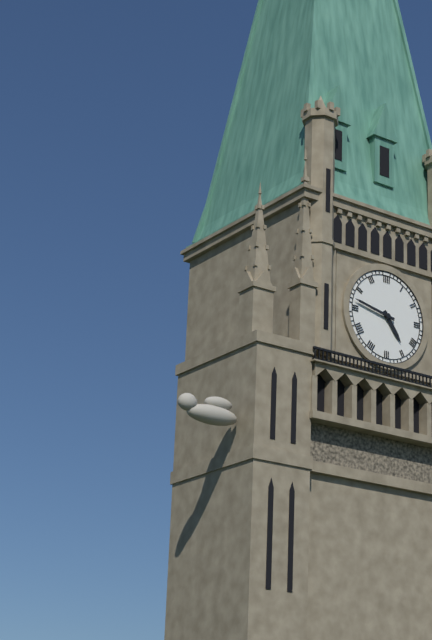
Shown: h=4 m=47
